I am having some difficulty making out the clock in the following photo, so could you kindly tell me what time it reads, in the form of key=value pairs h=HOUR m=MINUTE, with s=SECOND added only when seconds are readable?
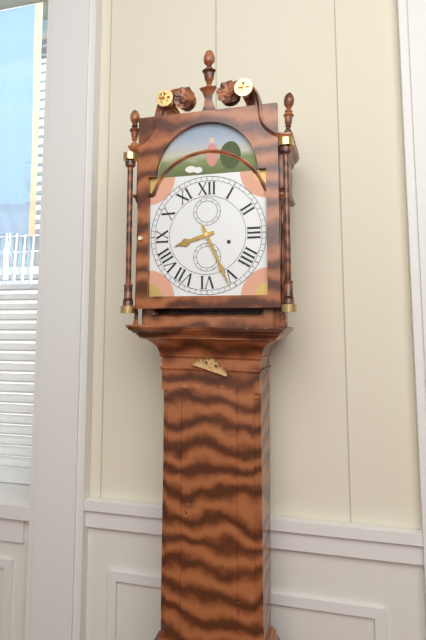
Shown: h=8 m=26
